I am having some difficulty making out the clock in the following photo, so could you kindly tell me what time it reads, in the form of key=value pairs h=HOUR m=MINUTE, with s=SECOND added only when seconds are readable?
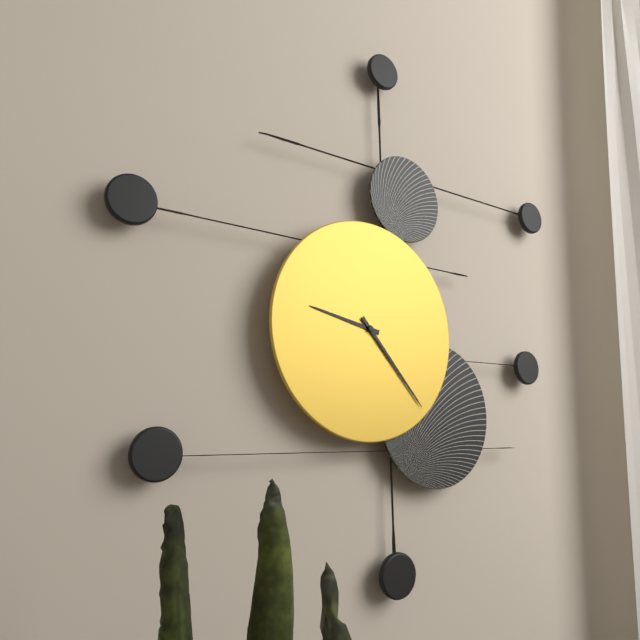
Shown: h=9 m=23
